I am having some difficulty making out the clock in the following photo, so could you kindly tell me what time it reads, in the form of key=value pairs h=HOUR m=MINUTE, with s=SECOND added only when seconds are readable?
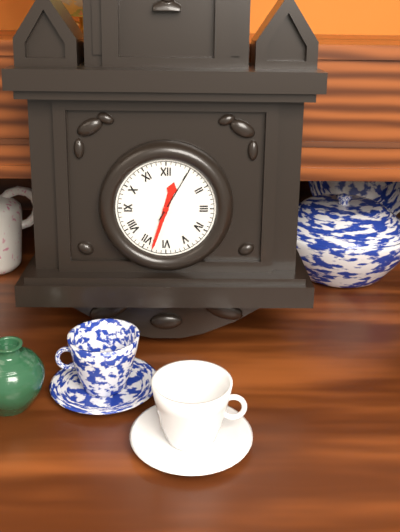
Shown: h=12 m=33
